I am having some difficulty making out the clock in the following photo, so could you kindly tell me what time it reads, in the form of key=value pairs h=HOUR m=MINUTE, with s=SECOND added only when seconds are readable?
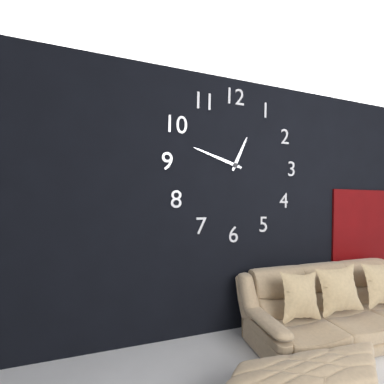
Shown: h=12 m=48
